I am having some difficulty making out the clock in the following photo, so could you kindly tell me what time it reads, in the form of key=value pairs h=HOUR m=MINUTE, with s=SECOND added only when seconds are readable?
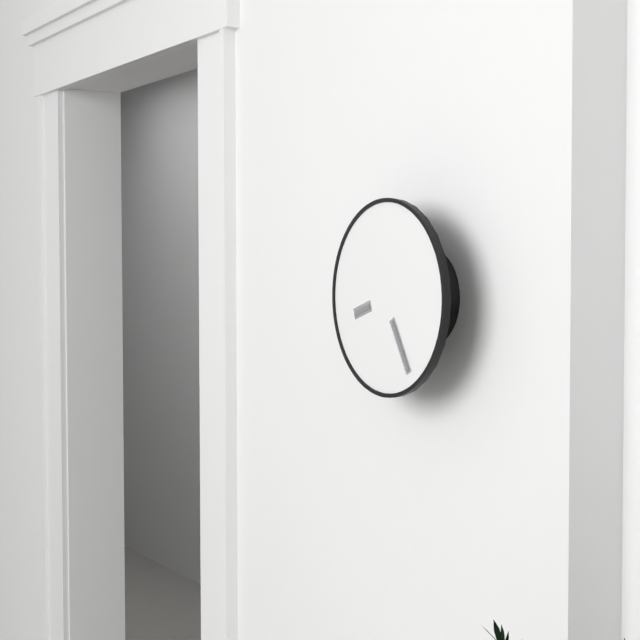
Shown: h=8 m=25
